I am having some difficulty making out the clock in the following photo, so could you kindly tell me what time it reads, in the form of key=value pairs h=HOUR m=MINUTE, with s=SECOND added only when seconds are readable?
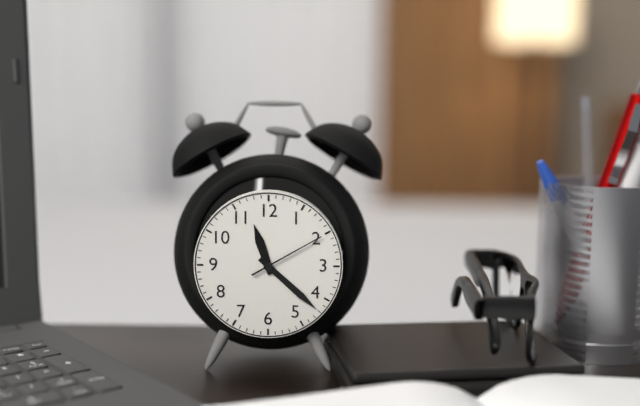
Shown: h=11 m=22 s=10
